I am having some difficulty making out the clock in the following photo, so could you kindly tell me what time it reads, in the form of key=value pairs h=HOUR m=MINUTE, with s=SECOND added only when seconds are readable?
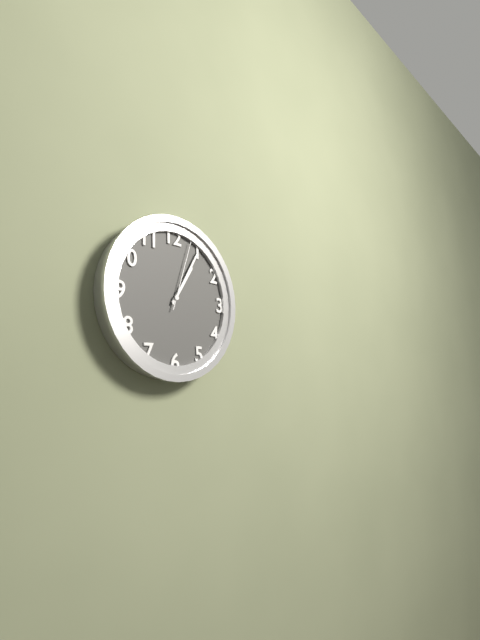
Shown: h=1 m=5 s=3
